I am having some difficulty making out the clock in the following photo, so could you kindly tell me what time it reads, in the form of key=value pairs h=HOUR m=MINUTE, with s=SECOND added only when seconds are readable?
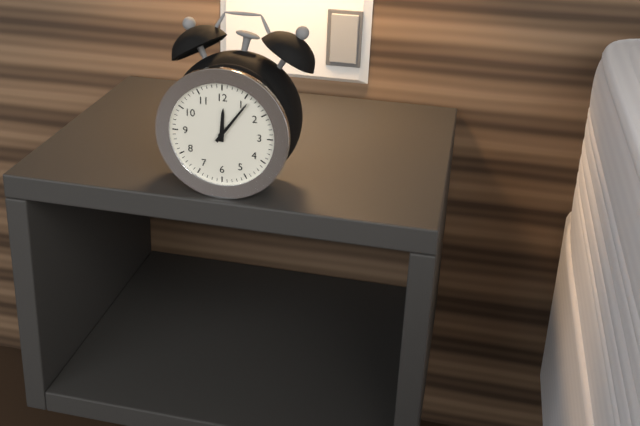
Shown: h=12 m=6
